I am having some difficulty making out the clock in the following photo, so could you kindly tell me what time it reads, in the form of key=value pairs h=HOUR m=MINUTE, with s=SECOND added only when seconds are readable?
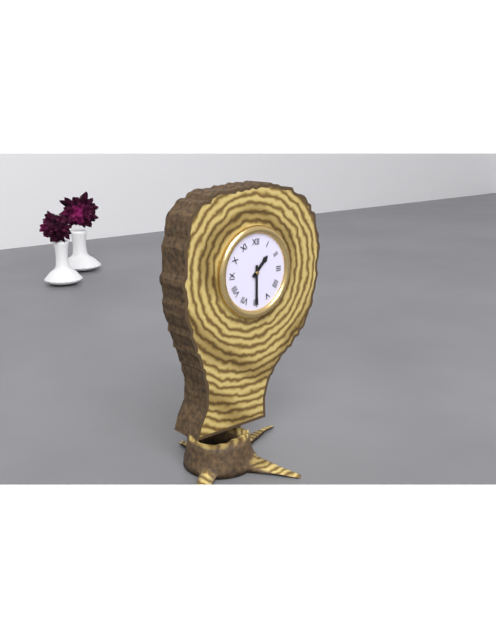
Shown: h=1 m=30
